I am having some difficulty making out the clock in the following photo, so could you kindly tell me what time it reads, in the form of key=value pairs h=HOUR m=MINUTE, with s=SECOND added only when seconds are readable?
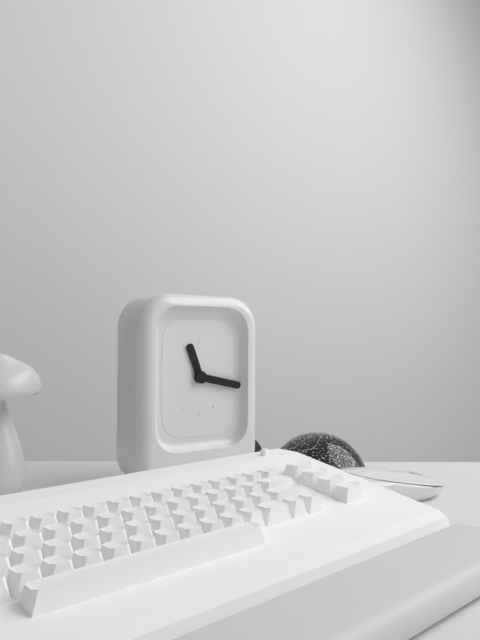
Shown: h=11 m=17
